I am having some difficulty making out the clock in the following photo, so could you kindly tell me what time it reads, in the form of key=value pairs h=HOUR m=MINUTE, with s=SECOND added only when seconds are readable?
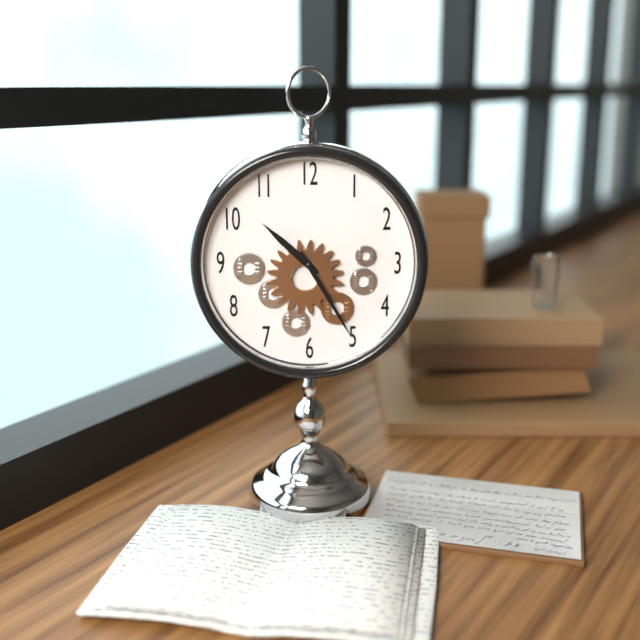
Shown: h=10 m=25
